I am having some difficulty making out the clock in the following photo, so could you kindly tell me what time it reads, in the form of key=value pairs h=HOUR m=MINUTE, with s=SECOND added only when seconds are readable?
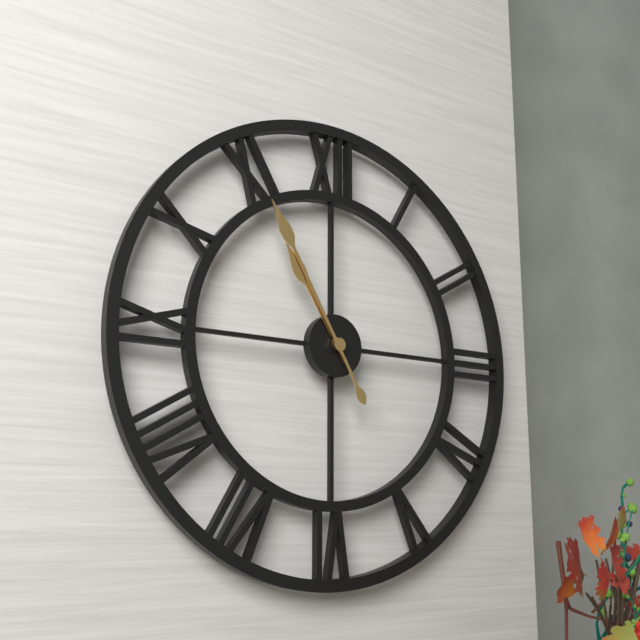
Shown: h=10 m=55
